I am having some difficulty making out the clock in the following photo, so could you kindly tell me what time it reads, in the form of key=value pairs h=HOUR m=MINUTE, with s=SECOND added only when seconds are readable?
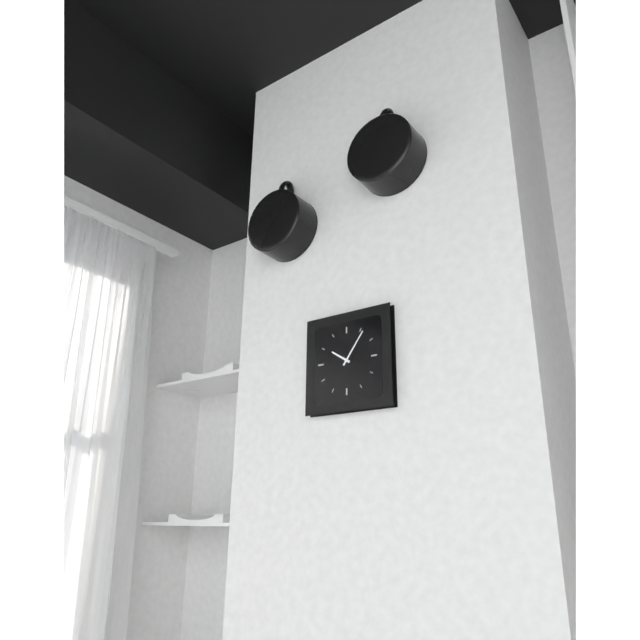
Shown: h=10 m=6
